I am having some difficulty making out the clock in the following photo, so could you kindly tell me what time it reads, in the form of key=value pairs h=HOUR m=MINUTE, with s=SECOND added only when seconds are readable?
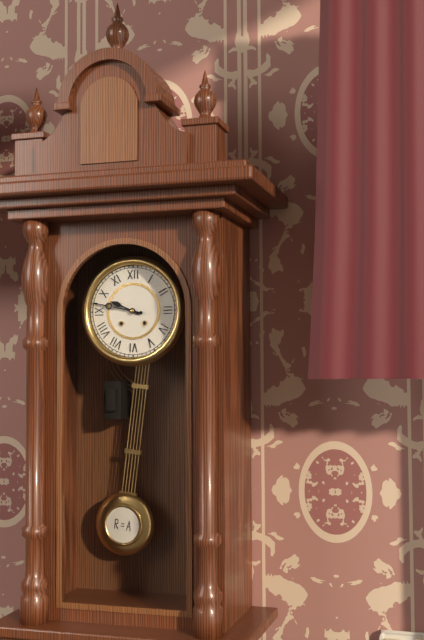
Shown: h=9 m=47
